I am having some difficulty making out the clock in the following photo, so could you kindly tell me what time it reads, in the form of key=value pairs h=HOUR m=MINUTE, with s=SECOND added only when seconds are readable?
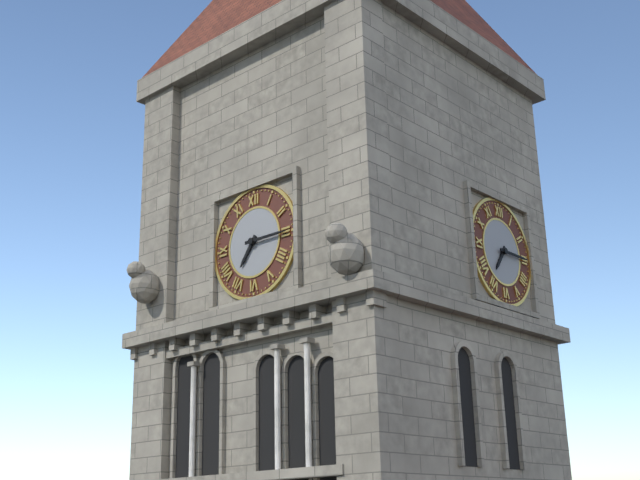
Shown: h=7 m=15
